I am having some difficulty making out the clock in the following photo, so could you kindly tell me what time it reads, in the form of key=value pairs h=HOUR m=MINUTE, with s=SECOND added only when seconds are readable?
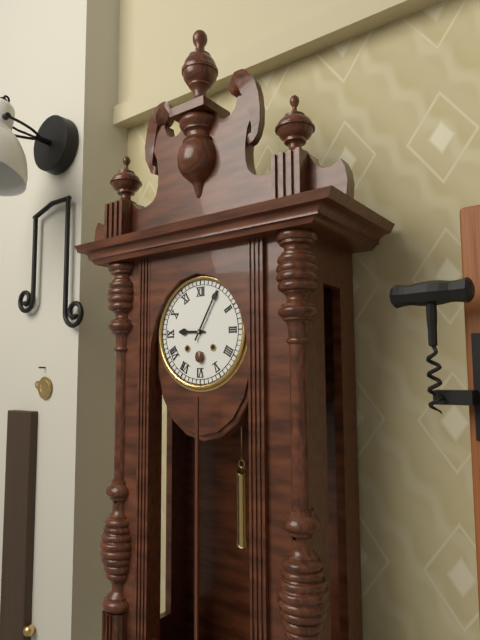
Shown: h=9 m=5
